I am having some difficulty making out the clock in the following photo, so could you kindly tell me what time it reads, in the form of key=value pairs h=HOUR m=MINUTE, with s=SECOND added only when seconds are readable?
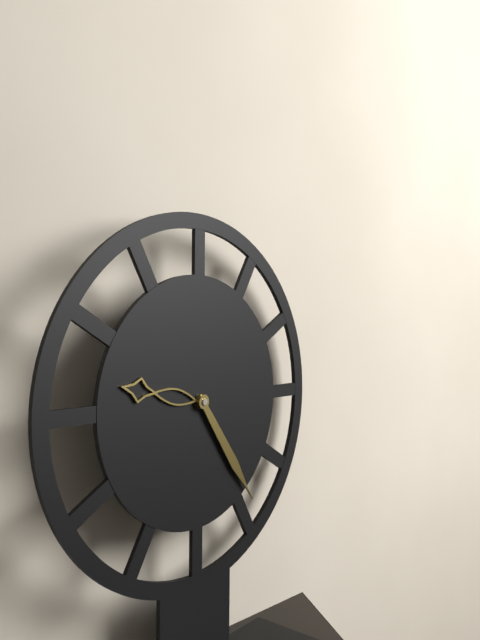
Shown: h=9 m=24
